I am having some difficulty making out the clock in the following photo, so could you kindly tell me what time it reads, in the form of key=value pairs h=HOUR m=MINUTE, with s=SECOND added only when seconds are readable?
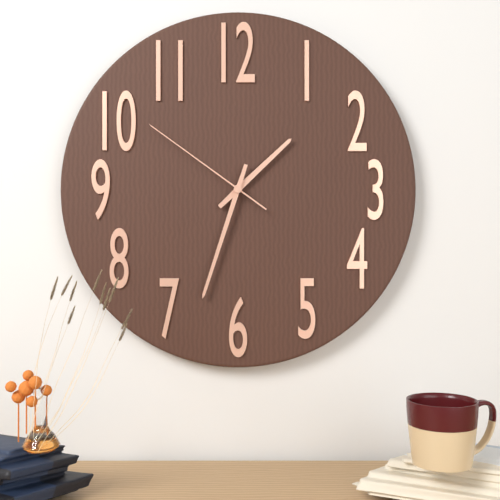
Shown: h=1 m=33 s=51
